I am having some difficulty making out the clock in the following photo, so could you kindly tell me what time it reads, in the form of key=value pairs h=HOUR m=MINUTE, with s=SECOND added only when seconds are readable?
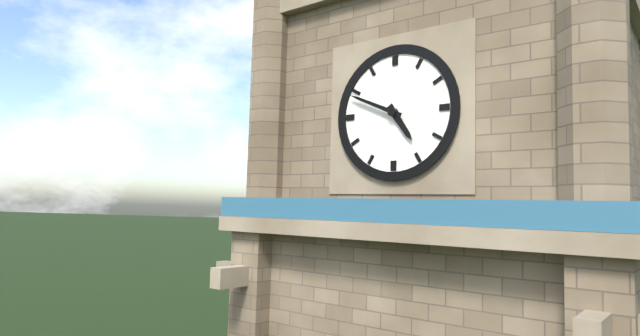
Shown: h=4 m=49
